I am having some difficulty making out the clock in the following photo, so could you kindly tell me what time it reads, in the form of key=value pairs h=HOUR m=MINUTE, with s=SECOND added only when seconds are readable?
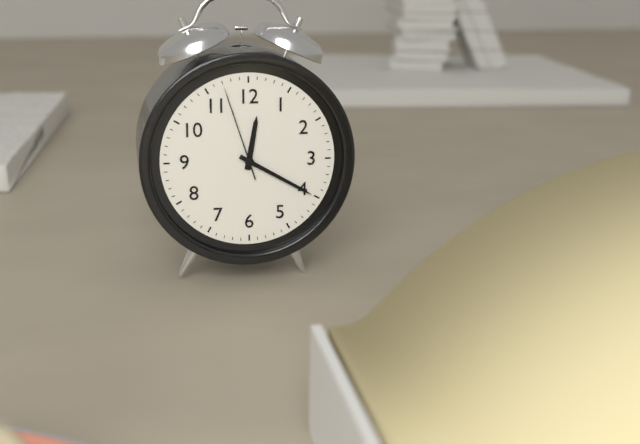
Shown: h=12 m=20 s=57
